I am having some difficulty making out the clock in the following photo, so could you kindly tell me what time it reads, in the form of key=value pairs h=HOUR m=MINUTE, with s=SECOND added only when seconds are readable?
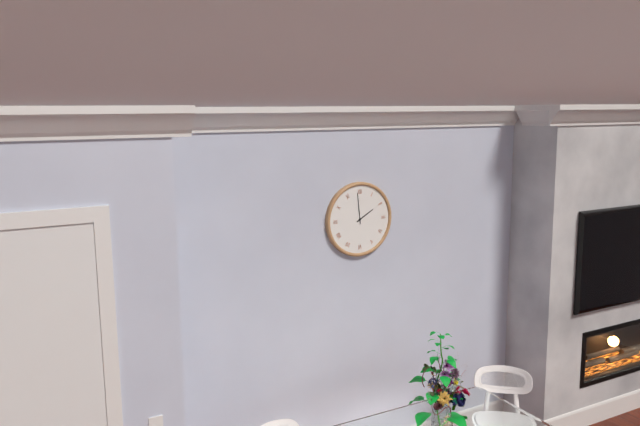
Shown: h=1 m=59
